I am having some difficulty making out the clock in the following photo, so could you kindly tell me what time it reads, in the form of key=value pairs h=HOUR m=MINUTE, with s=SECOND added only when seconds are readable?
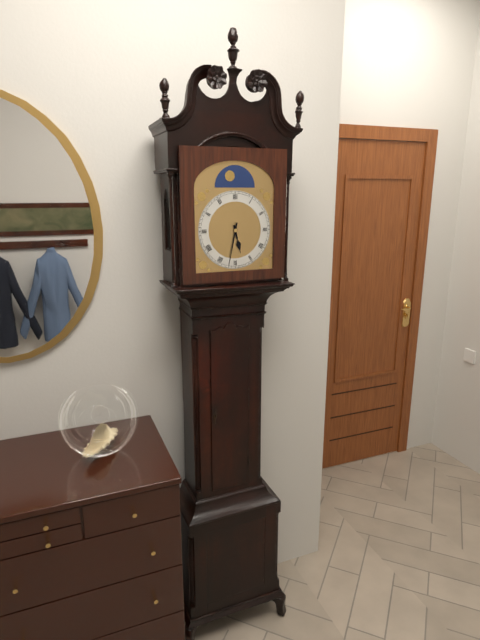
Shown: h=5 m=32
